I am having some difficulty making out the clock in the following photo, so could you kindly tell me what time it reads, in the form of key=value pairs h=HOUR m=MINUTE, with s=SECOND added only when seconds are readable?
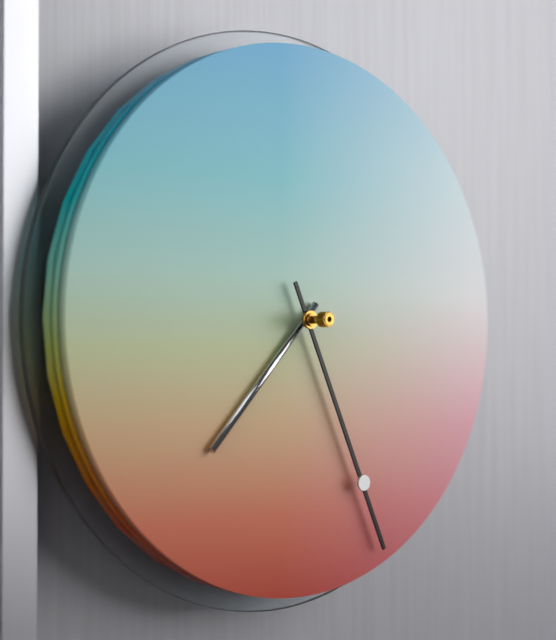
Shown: h=7 m=26
